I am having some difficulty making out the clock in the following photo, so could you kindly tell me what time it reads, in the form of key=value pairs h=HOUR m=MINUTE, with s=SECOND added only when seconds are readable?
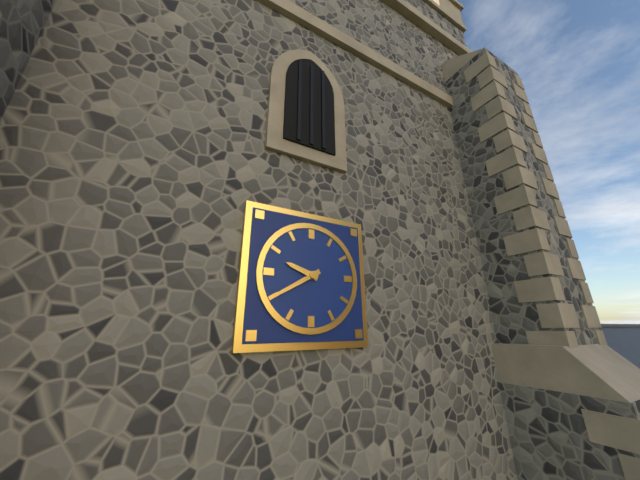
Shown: h=9 m=40
